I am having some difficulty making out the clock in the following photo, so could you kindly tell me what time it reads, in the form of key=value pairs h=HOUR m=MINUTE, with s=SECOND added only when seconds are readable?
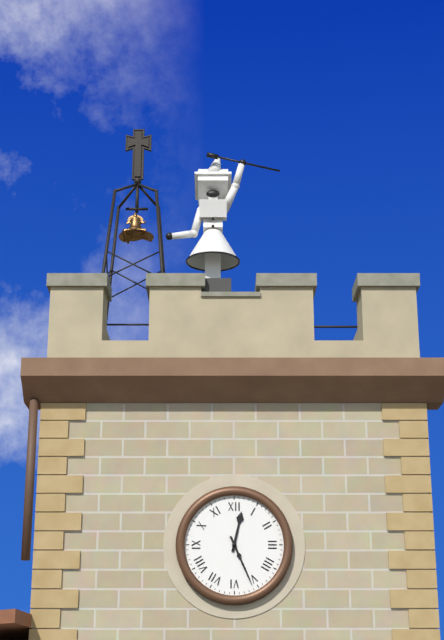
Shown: h=12 m=26
